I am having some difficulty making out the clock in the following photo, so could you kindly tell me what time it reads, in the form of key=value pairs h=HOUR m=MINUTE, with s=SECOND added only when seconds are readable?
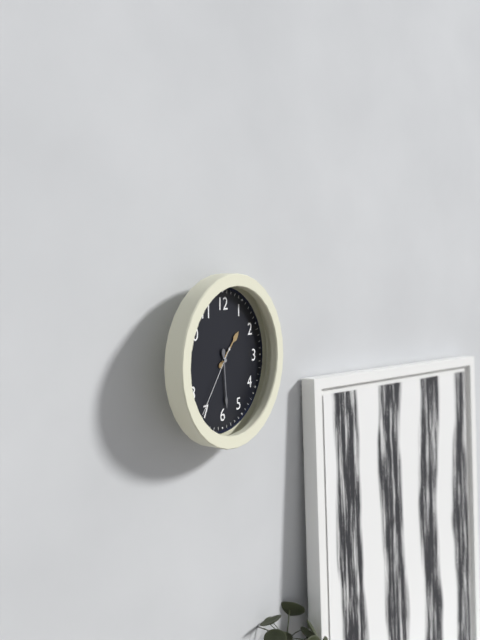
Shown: h=1 m=29 s=36
